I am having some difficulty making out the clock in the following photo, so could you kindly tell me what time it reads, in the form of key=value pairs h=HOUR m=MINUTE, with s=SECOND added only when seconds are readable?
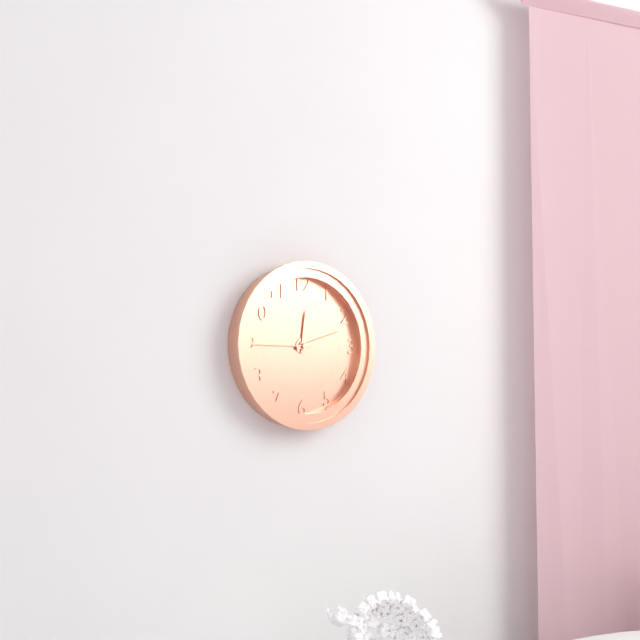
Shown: h=12 m=12 s=45
